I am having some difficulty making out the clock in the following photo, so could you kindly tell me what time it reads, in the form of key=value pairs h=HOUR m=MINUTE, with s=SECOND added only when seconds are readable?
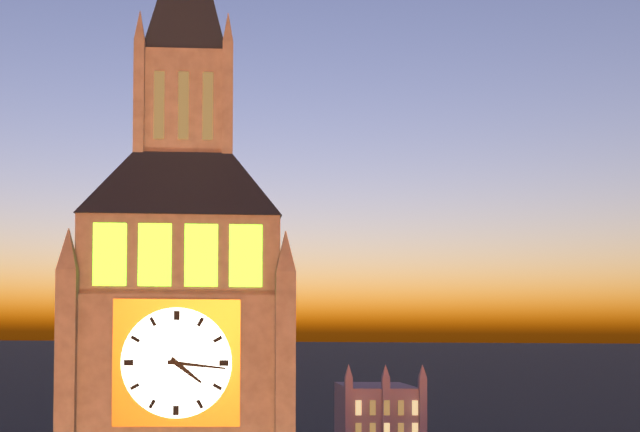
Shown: h=4 m=16
